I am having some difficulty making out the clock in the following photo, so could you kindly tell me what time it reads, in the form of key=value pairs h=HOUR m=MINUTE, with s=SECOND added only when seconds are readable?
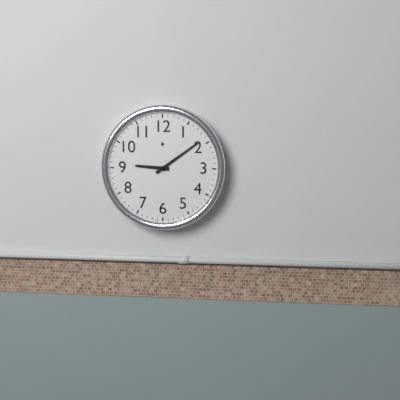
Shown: h=9 m=9
